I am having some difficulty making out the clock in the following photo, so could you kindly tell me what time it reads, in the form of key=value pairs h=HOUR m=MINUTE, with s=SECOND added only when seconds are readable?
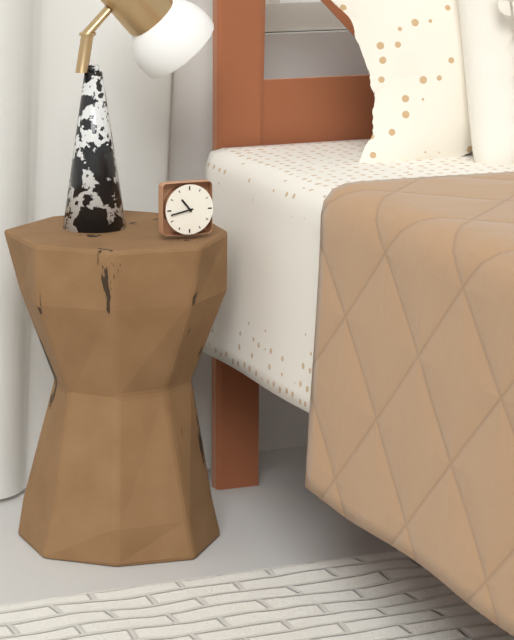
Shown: h=10 m=43
